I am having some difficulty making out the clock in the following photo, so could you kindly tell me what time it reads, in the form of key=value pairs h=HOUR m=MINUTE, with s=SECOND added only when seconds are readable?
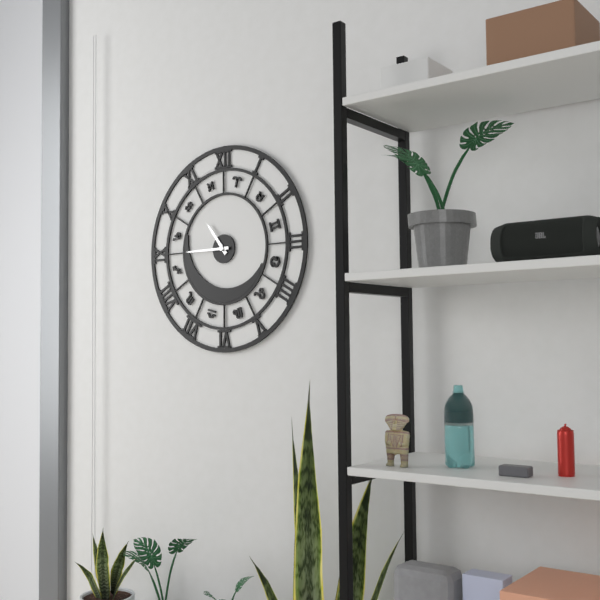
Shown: h=10 m=45
